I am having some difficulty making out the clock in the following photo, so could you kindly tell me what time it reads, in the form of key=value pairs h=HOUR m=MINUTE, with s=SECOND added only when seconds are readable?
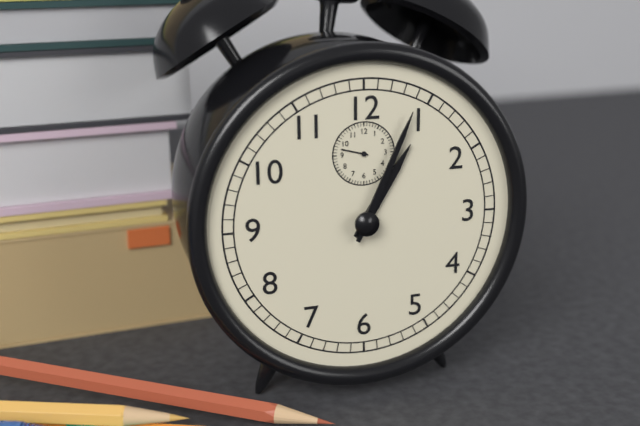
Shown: h=1 m=4
